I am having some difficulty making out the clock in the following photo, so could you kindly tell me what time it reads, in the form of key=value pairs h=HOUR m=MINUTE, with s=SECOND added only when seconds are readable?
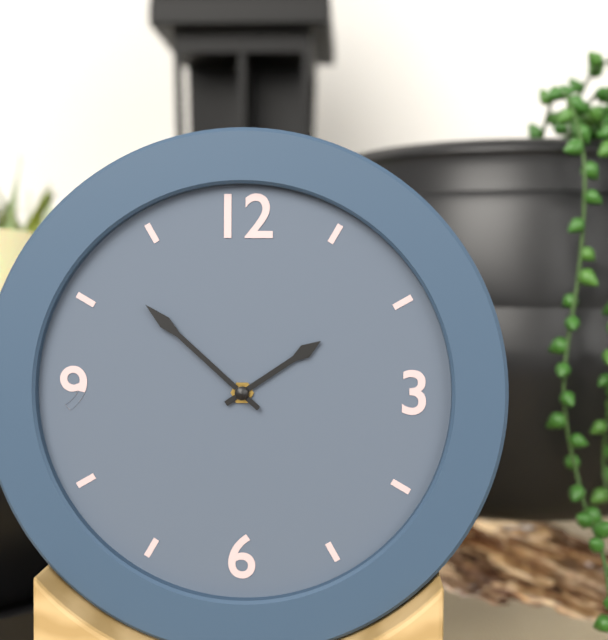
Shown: h=1 m=52
